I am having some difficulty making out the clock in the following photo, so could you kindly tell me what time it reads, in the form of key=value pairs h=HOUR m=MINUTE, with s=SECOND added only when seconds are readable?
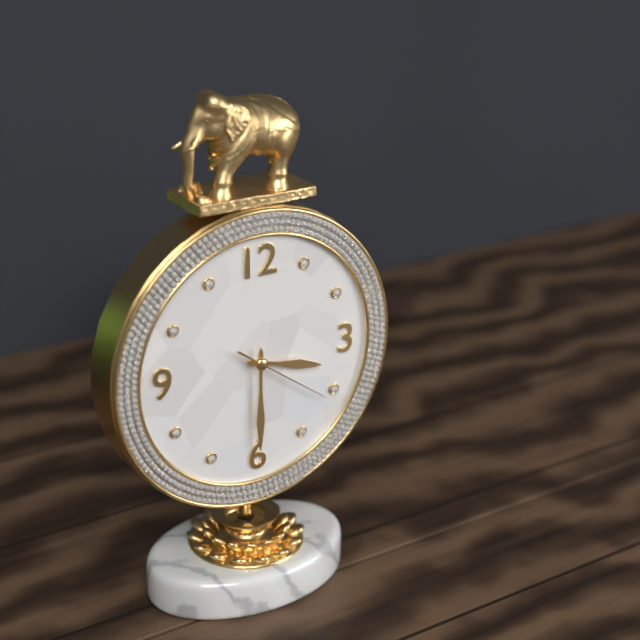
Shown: h=3 m=30 s=21
